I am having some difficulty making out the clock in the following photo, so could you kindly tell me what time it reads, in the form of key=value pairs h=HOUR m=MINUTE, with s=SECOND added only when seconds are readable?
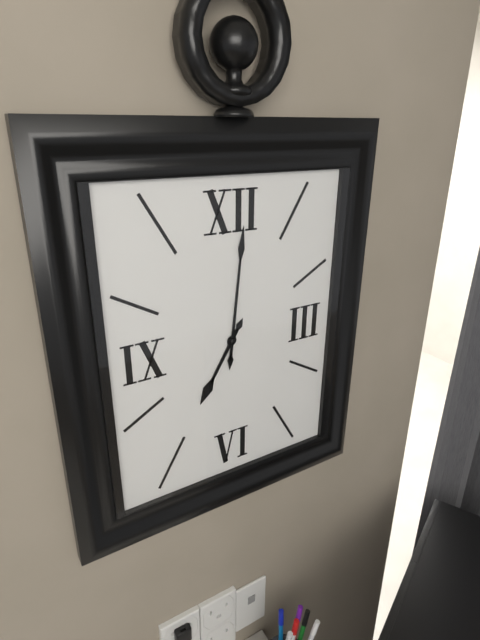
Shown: h=7 m=1
